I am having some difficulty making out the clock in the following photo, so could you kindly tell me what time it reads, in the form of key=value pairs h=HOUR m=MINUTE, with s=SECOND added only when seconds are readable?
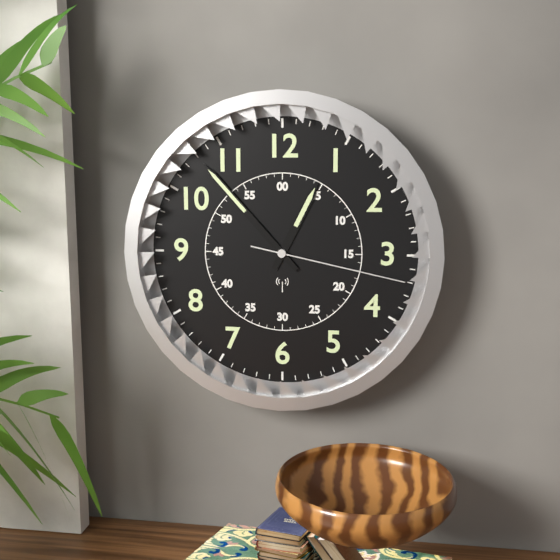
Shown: h=12 m=53 s=17
